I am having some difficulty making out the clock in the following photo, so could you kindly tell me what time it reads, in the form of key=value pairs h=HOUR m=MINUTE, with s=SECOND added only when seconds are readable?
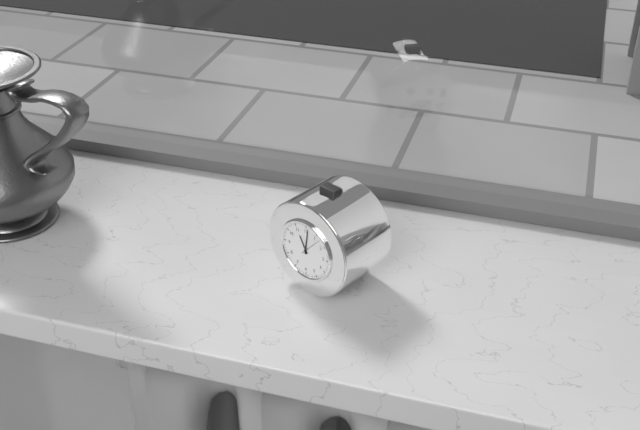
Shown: h=11 m=1
